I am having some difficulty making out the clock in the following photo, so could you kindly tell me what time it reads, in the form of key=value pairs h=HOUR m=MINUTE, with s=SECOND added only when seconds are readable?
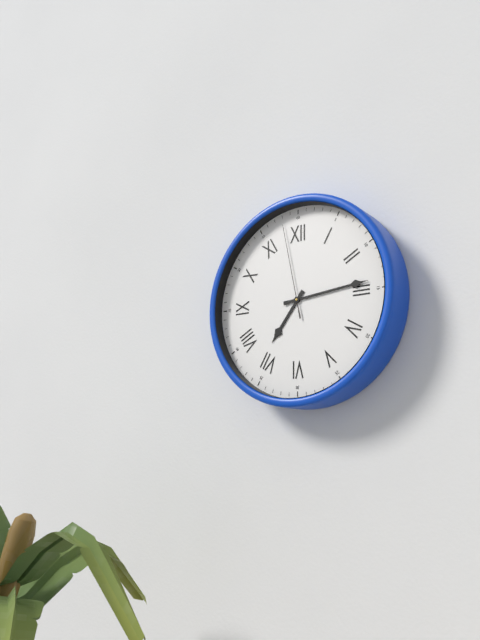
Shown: h=7 m=14 s=58
